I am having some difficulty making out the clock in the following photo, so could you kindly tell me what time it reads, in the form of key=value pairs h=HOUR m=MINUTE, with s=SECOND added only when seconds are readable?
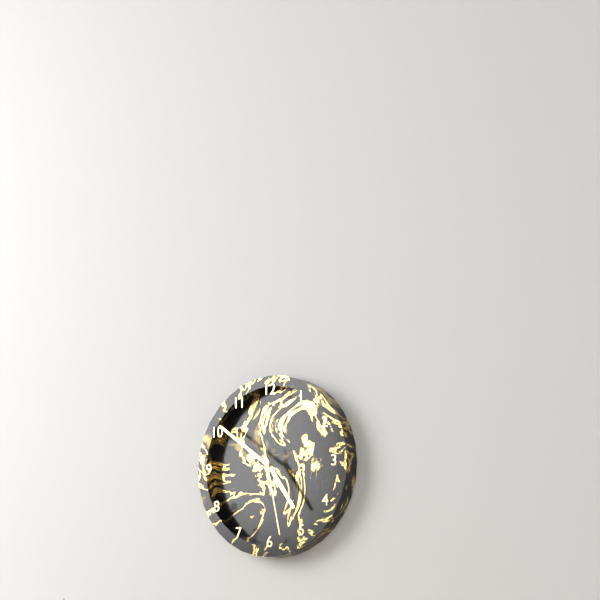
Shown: h=4 m=51 s=28
